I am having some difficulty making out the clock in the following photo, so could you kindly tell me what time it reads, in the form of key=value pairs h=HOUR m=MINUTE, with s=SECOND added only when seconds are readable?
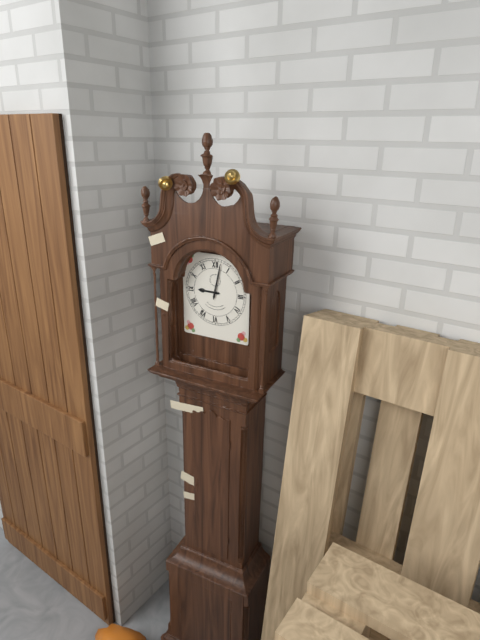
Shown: h=9 m=2
